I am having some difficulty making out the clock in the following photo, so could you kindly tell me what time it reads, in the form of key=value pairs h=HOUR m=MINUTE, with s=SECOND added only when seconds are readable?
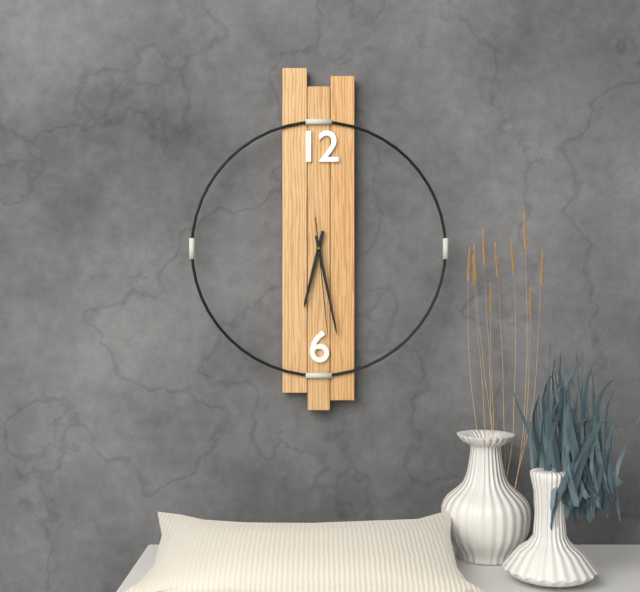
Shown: h=6 m=28 s=29
